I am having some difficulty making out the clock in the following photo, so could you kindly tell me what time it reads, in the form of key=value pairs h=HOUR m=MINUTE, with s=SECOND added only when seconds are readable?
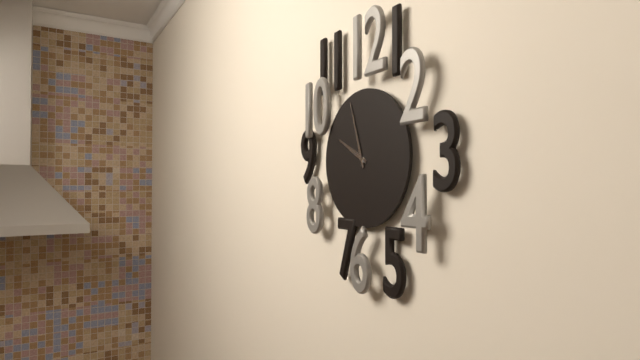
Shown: h=9 m=57
